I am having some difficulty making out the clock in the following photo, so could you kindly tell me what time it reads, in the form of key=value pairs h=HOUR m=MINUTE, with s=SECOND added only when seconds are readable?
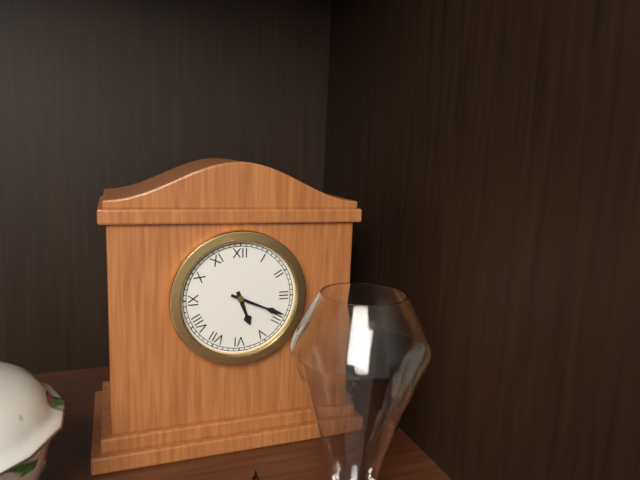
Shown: h=5 m=19
